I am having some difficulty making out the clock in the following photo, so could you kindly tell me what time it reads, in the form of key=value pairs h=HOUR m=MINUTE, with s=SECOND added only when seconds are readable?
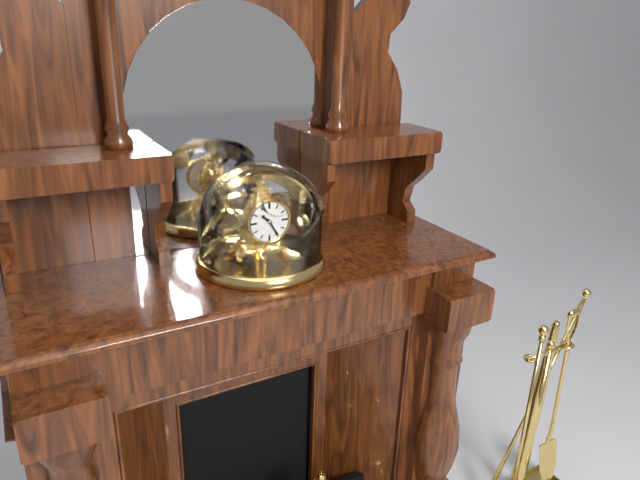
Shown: h=10 m=25
